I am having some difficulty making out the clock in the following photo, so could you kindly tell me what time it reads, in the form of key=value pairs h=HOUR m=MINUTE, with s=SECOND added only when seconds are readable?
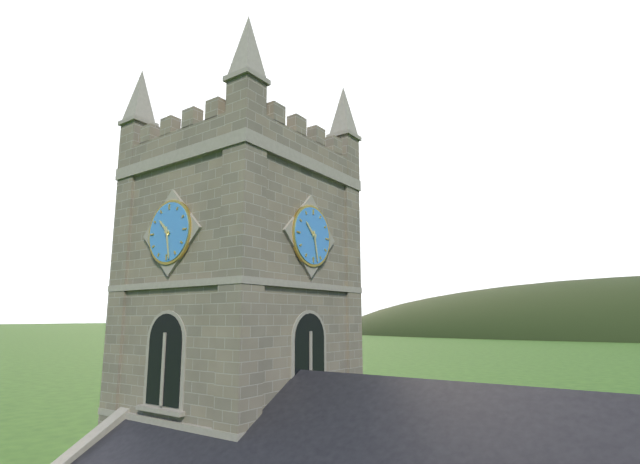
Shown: h=10 m=28
